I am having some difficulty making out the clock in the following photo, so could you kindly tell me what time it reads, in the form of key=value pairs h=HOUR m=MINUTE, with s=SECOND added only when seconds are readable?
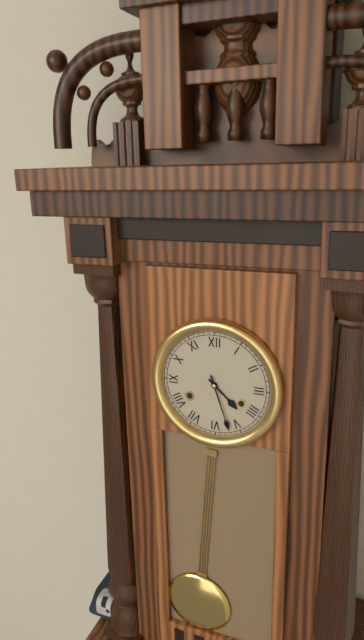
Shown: h=4 m=27
